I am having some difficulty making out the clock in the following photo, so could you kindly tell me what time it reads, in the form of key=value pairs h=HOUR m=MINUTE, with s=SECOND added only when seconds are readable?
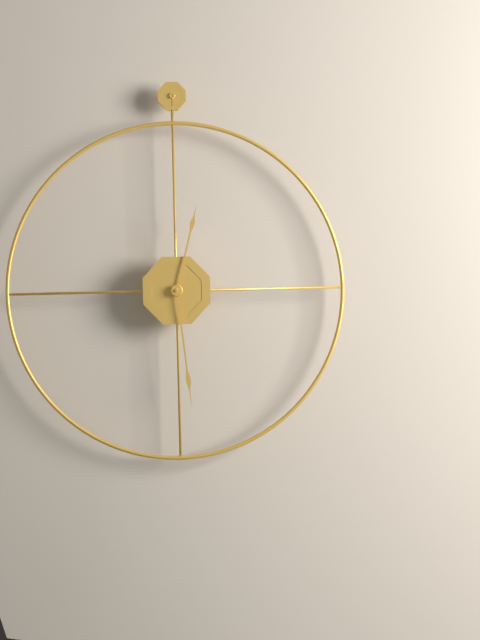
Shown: h=12 m=29
